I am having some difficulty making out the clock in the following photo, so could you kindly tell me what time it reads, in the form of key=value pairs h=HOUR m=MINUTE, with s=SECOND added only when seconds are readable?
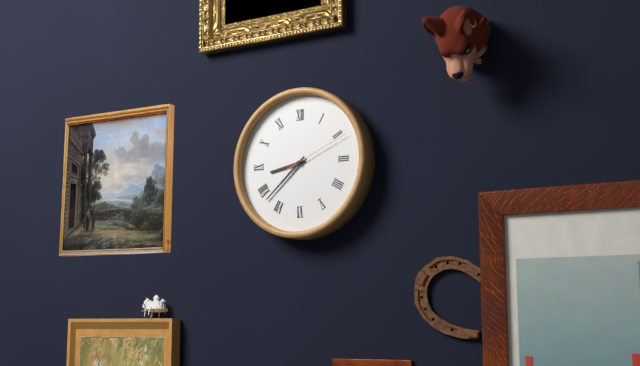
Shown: h=8 m=38 s=11
